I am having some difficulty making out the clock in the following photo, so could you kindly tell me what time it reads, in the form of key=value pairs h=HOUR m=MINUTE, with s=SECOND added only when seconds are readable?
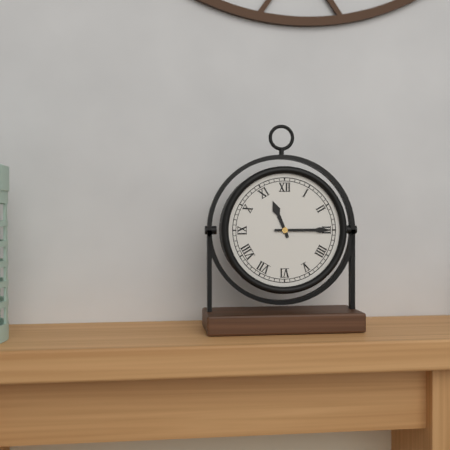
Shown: h=11 m=15
